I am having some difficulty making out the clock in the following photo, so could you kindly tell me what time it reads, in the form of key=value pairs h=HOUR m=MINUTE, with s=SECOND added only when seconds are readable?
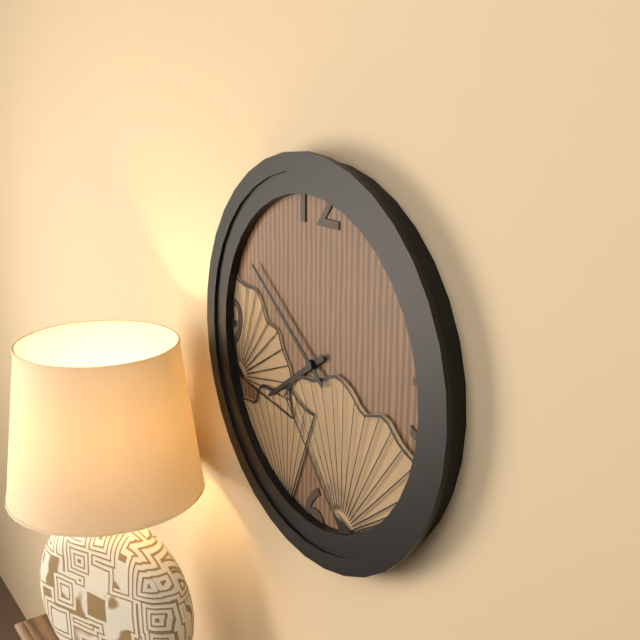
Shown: h=7 m=51
